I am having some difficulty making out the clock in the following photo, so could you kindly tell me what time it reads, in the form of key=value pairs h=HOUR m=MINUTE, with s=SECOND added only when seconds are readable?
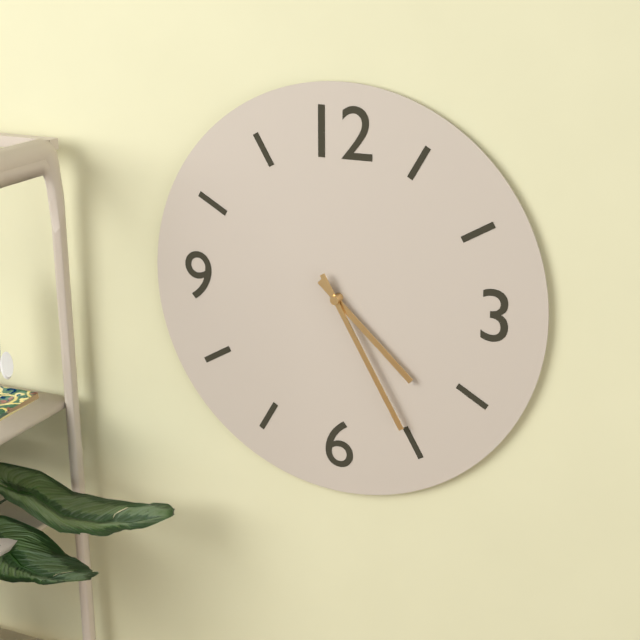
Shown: h=4 m=25
